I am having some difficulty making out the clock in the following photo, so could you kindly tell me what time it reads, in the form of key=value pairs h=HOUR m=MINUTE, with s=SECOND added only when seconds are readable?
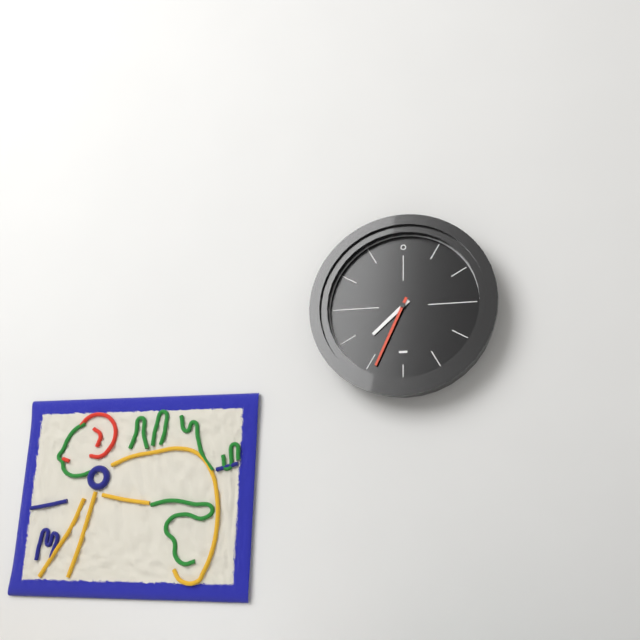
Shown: h=7 m=34
